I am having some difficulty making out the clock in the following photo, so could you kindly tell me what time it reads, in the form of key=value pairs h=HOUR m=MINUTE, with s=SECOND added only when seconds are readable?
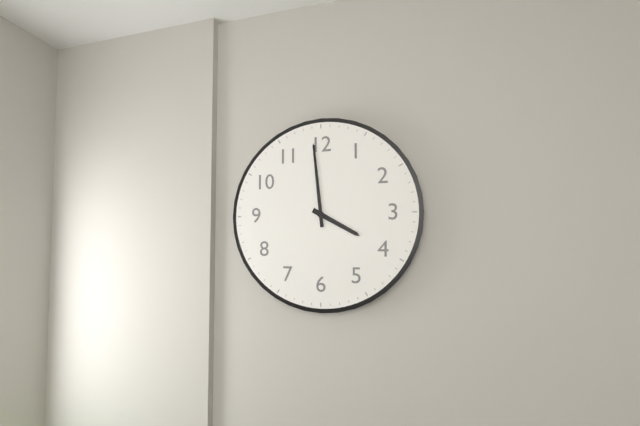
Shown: h=3 m=59
